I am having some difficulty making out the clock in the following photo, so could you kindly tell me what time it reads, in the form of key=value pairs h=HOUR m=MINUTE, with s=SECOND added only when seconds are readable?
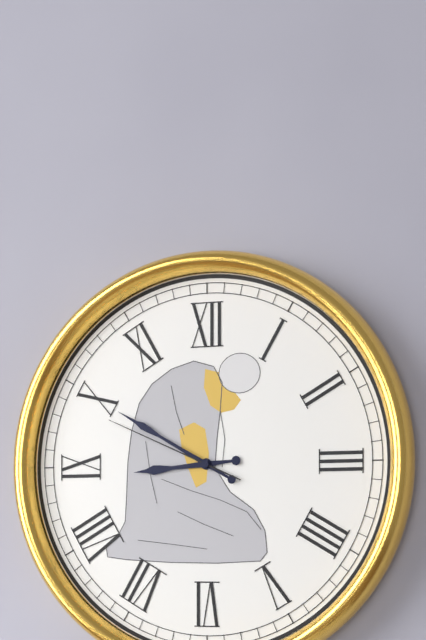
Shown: h=8 m=50 s=49
